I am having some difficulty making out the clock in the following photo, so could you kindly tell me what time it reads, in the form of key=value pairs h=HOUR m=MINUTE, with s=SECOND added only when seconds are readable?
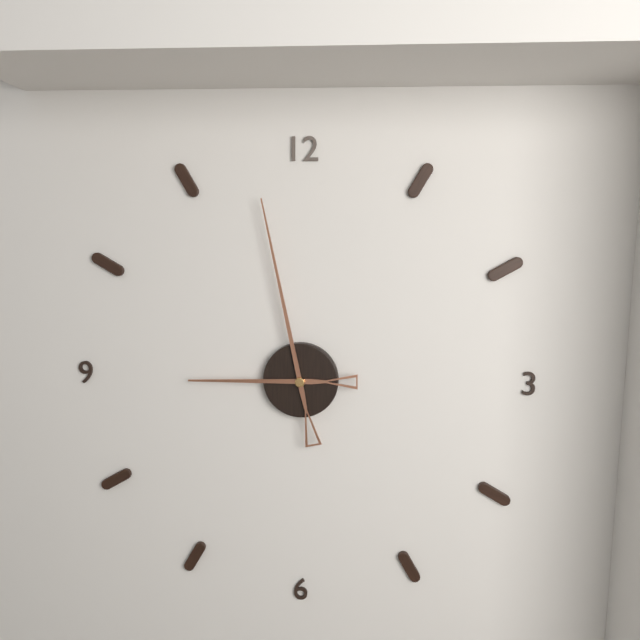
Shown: h=8 m=58
